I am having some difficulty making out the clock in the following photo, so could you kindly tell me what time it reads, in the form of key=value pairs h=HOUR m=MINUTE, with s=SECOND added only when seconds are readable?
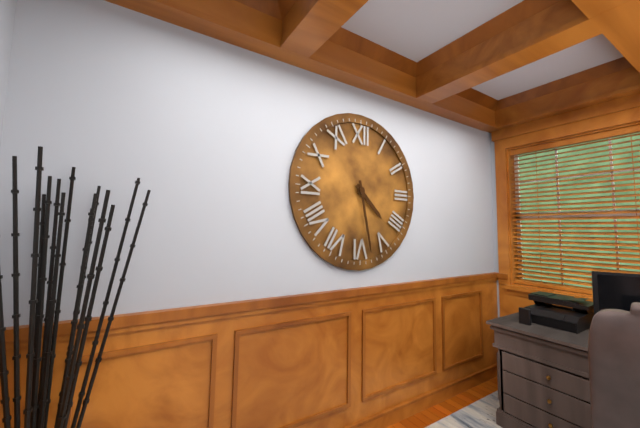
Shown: h=4 m=28
